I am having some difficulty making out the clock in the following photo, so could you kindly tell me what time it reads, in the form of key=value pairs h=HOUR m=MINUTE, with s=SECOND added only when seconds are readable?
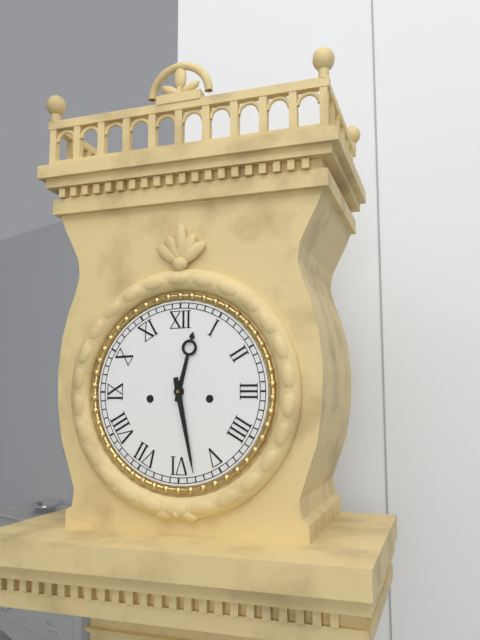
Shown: h=12 m=28
